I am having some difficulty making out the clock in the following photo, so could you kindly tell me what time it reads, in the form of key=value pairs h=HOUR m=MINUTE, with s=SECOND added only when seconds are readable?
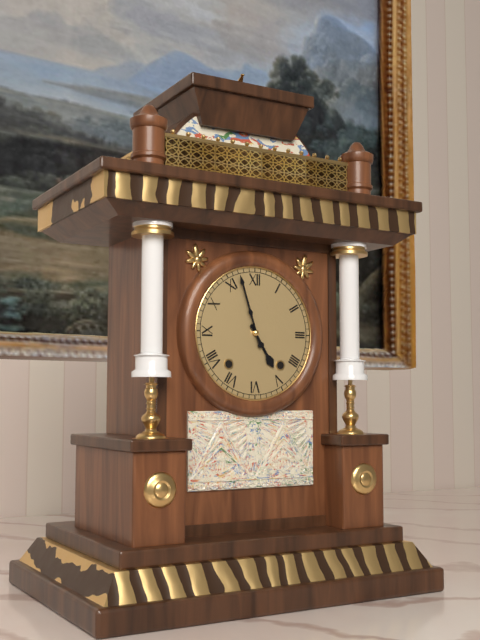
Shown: h=4 m=57
